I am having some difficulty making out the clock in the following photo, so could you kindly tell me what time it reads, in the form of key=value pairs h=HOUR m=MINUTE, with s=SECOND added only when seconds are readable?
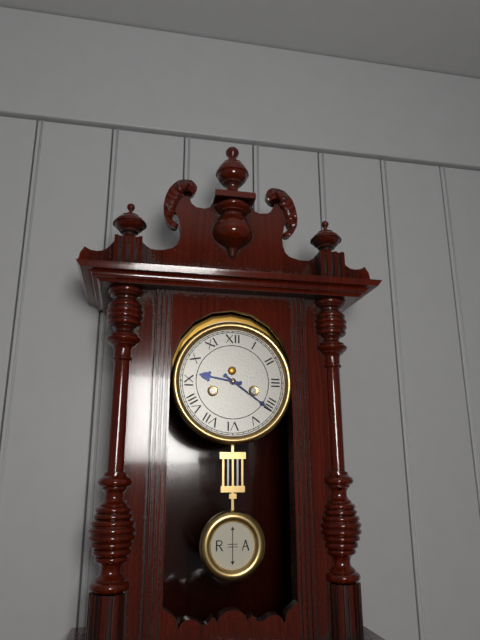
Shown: h=9 m=21
